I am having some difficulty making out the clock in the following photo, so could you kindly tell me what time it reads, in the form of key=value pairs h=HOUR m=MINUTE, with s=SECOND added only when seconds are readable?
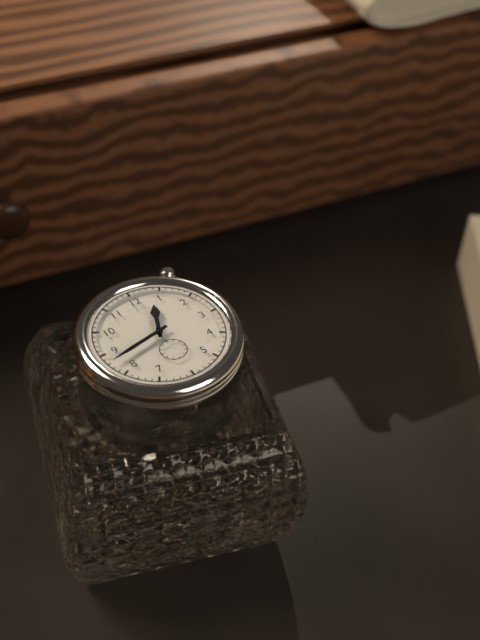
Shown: h=12 m=43
